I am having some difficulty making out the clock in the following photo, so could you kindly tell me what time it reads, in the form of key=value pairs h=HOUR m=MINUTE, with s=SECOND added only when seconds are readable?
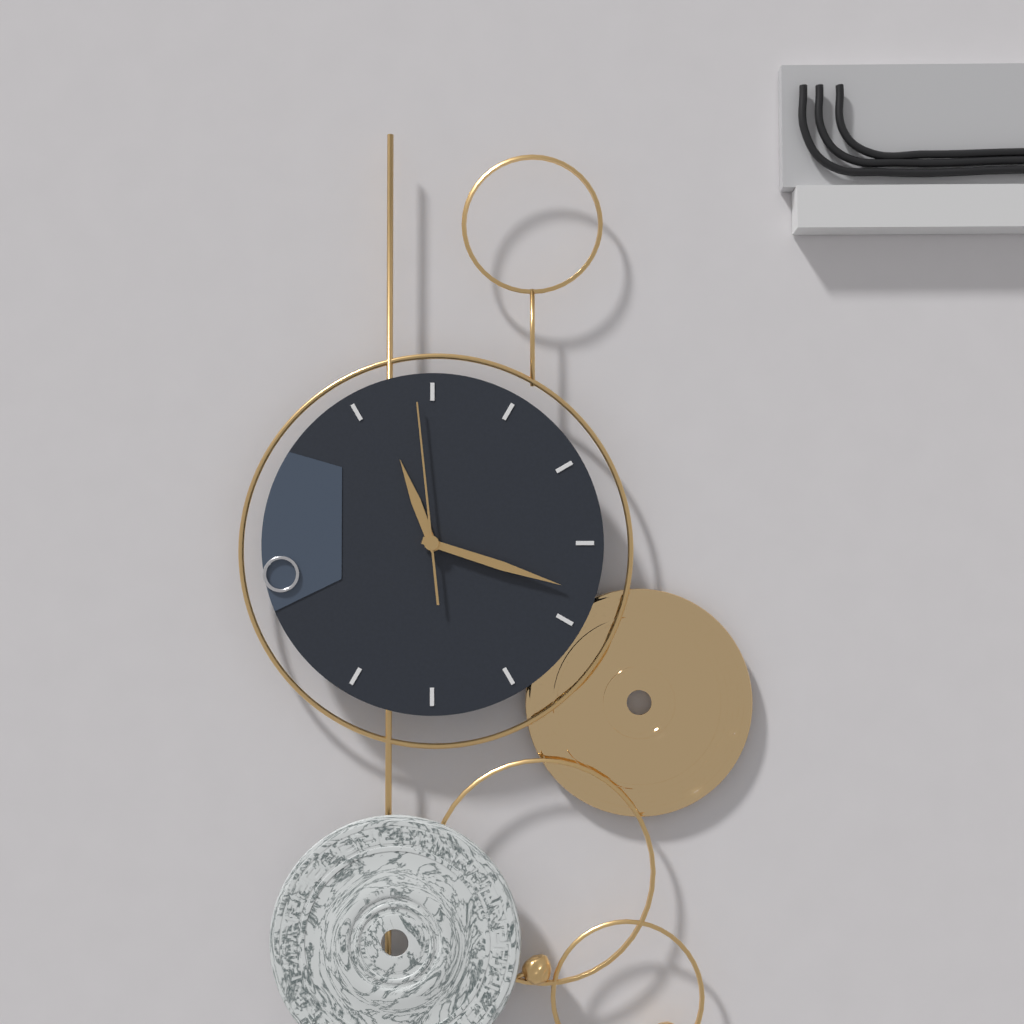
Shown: h=11 m=18 s=59
